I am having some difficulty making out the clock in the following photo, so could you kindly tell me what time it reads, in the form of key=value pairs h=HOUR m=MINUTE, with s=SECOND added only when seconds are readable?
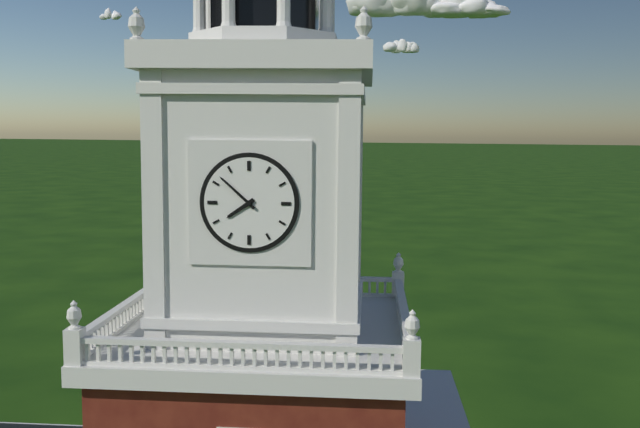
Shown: h=7 m=52
